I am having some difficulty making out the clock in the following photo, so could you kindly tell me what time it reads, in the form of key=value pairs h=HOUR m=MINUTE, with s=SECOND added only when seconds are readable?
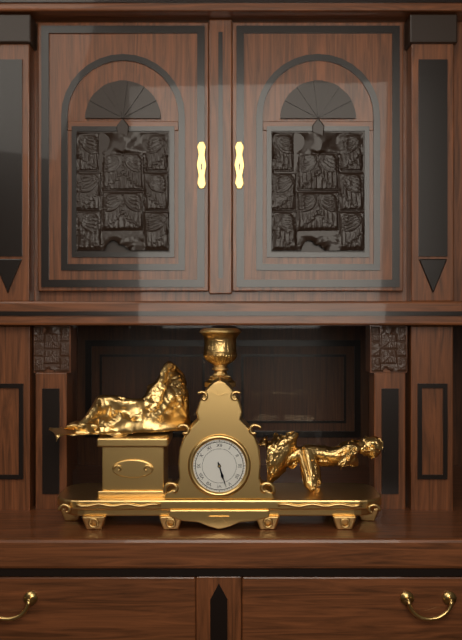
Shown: h=5 m=27
